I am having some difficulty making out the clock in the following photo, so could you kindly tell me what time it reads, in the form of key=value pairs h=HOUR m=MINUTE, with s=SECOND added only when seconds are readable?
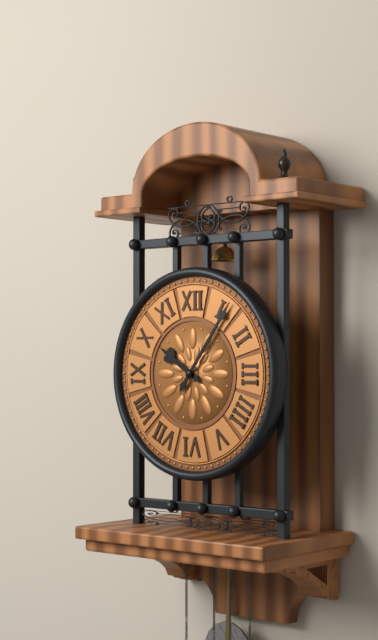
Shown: h=10 m=6
